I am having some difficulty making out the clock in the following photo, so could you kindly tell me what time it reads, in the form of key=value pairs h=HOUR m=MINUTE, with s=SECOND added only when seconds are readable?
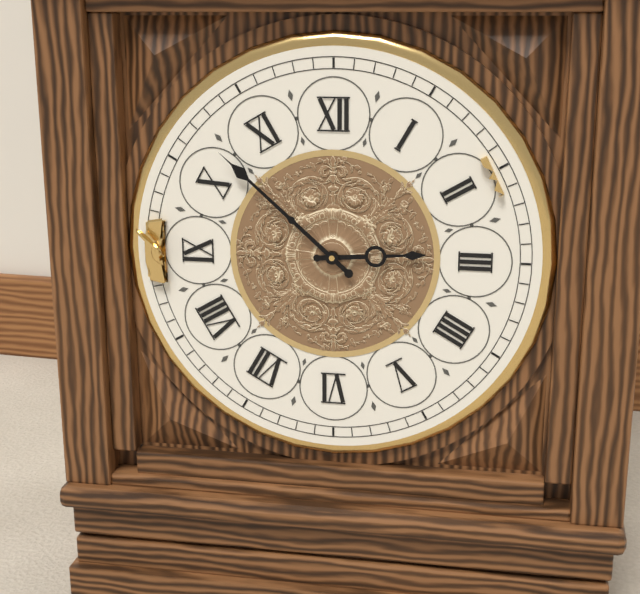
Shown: h=2 m=52
